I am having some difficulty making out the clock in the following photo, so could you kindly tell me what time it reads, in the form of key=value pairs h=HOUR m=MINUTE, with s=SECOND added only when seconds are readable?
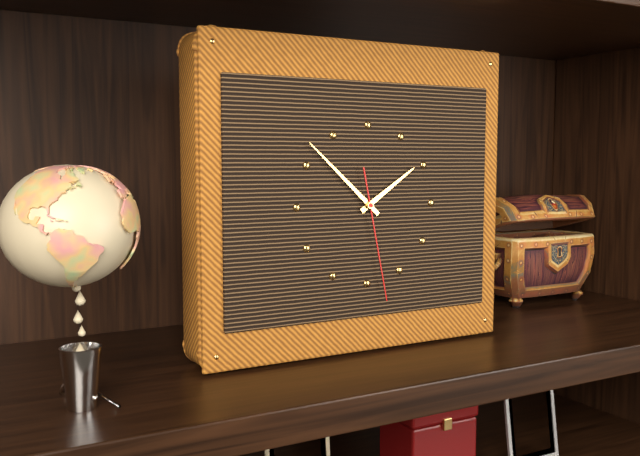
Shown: h=1 m=52 s=28
